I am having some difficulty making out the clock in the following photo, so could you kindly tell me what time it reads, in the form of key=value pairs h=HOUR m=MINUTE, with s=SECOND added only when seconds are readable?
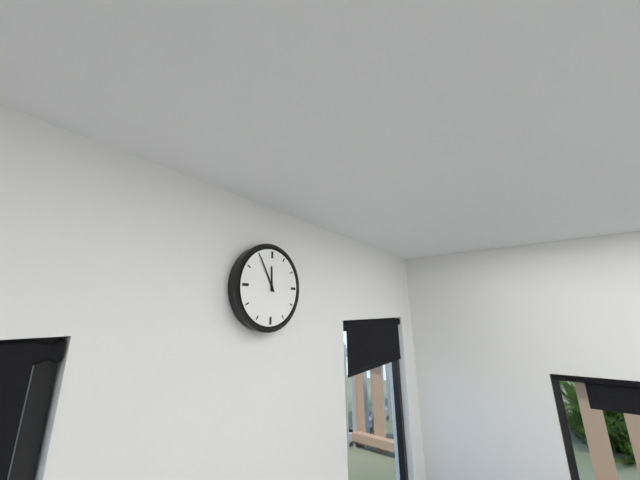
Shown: h=11 m=55
